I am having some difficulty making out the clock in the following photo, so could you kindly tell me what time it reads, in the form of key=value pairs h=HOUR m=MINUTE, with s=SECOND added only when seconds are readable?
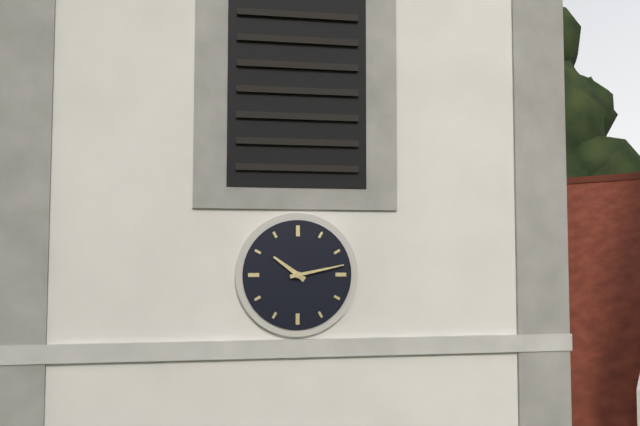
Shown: h=10 m=13
